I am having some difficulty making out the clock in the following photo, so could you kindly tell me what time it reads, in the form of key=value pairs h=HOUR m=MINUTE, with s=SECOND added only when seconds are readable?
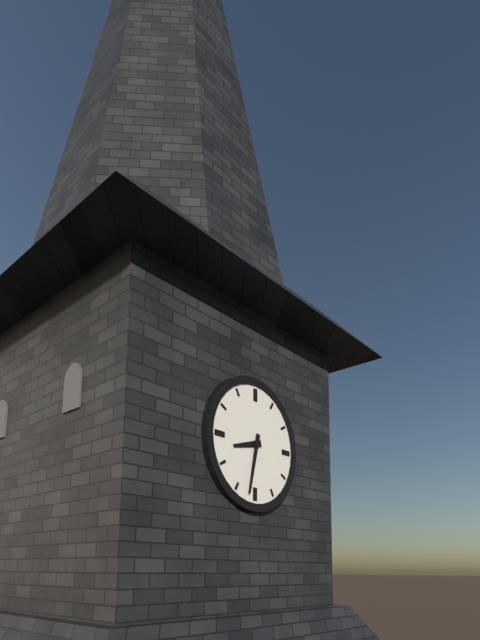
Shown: h=8 m=32
